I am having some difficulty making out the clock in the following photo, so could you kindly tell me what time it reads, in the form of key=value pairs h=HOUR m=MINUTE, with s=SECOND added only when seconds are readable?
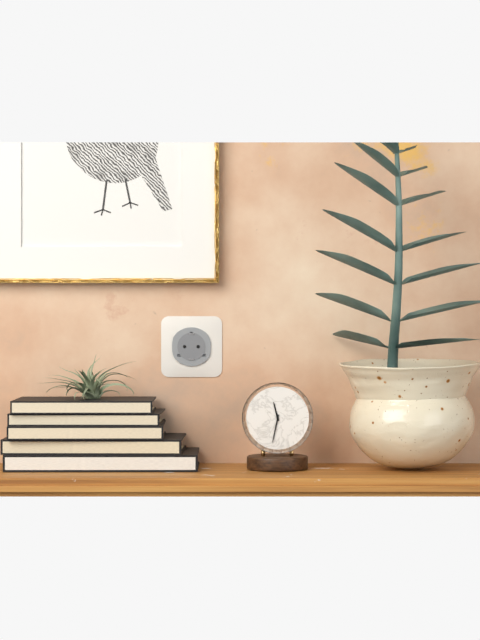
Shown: h=11 m=32
